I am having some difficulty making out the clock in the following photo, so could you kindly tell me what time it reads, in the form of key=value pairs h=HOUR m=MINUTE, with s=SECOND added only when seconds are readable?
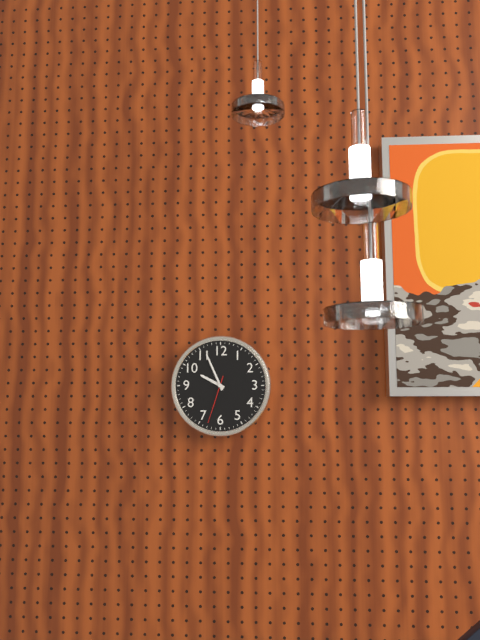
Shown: h=9 m=56
